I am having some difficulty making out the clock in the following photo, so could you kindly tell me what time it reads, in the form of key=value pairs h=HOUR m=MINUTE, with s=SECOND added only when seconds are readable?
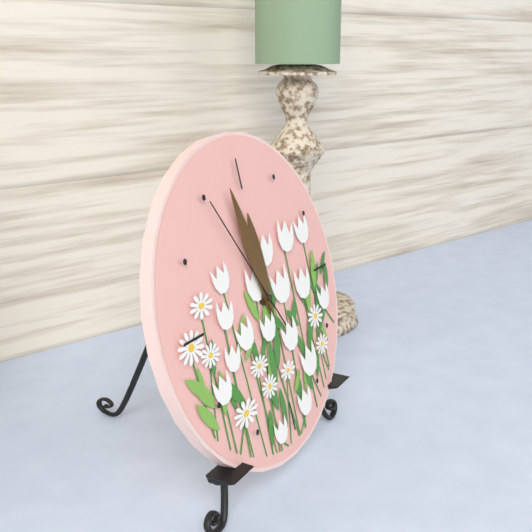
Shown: h=11 m=58 s=55
